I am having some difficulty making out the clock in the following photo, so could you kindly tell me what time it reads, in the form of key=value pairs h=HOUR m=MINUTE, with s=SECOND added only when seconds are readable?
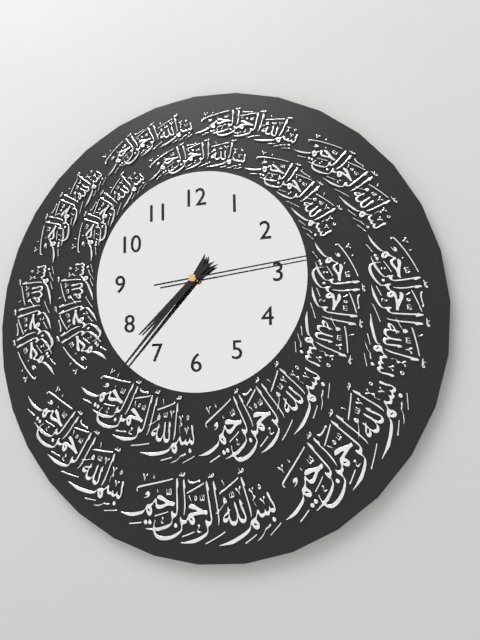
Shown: h=7 m=37 s=14
